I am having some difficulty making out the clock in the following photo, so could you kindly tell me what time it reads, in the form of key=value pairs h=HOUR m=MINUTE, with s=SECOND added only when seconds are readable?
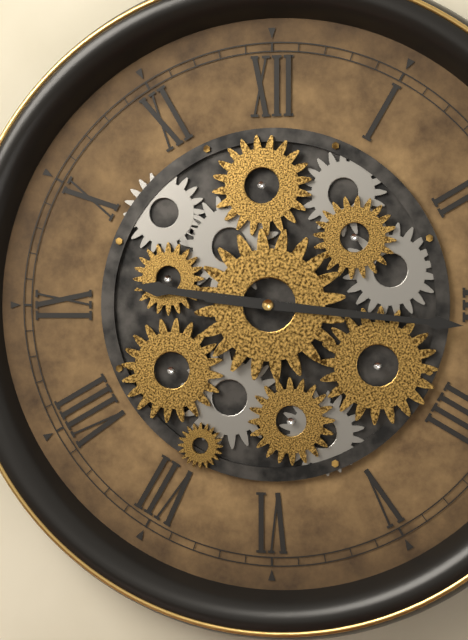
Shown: h=9 m=16
